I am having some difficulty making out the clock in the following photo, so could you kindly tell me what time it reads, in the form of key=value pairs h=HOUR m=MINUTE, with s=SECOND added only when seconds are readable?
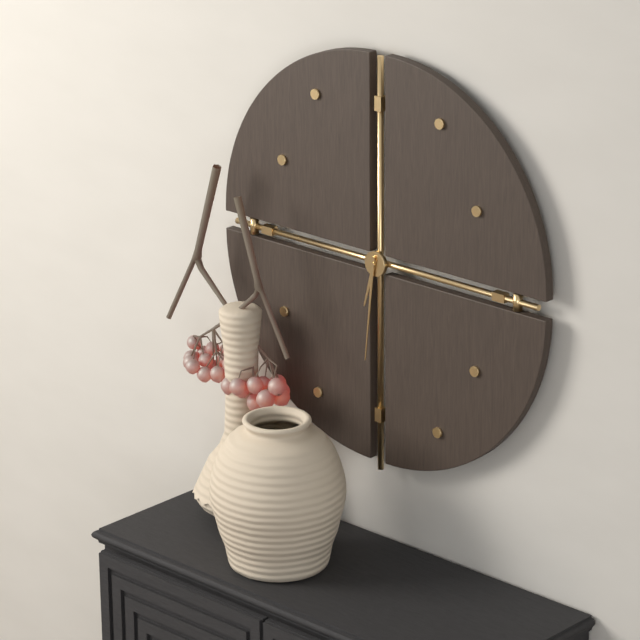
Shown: h=6 m=31
